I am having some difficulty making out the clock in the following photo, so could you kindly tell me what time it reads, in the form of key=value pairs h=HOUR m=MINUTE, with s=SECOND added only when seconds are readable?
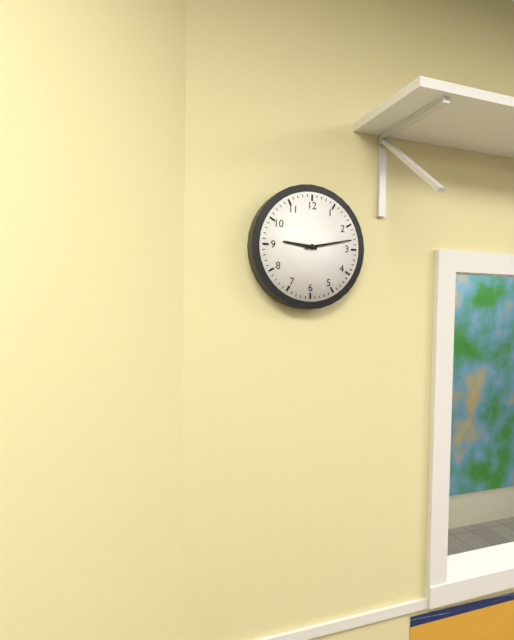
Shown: h=9 m=13
